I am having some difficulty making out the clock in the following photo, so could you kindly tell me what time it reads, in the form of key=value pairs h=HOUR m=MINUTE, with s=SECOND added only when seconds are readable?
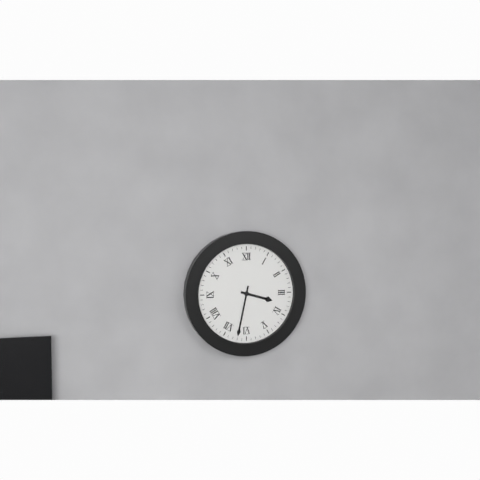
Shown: h=3 m=32
